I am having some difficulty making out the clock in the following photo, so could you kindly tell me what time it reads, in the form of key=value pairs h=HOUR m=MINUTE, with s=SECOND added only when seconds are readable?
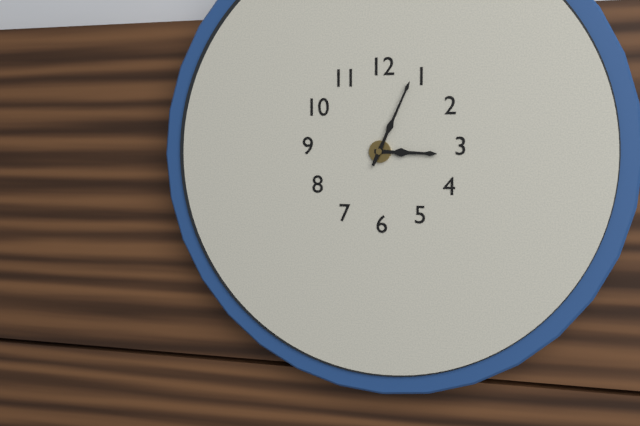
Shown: h=3 m=4
